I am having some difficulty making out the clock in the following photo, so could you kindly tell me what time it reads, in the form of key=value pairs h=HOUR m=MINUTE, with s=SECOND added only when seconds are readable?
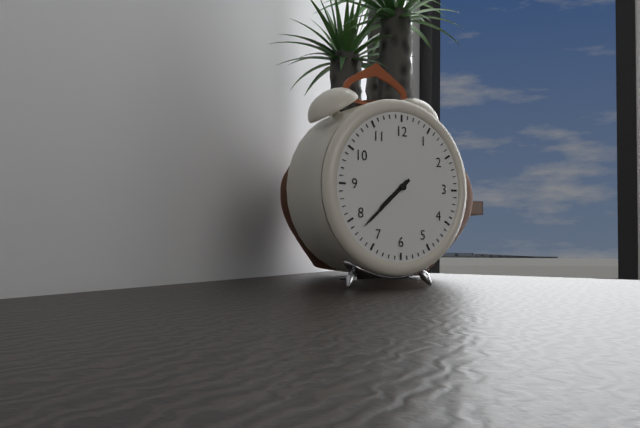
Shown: h=7 m=38
